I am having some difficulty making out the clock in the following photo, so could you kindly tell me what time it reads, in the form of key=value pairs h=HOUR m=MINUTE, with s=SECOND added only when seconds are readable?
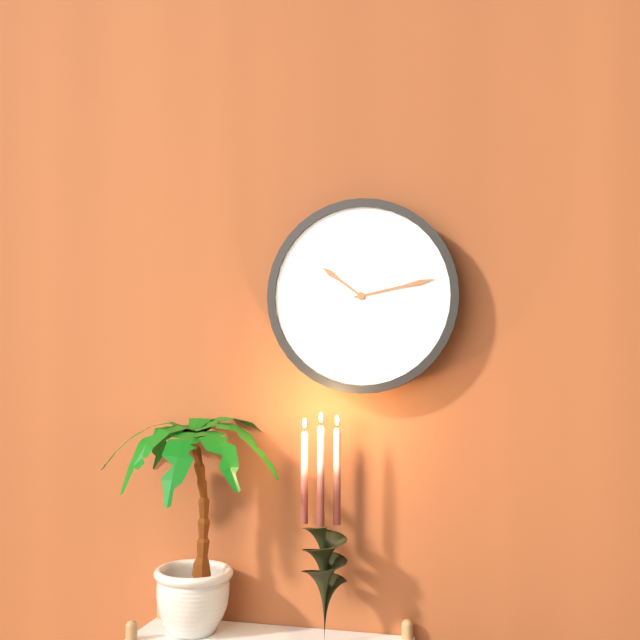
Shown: h=10 m=13
